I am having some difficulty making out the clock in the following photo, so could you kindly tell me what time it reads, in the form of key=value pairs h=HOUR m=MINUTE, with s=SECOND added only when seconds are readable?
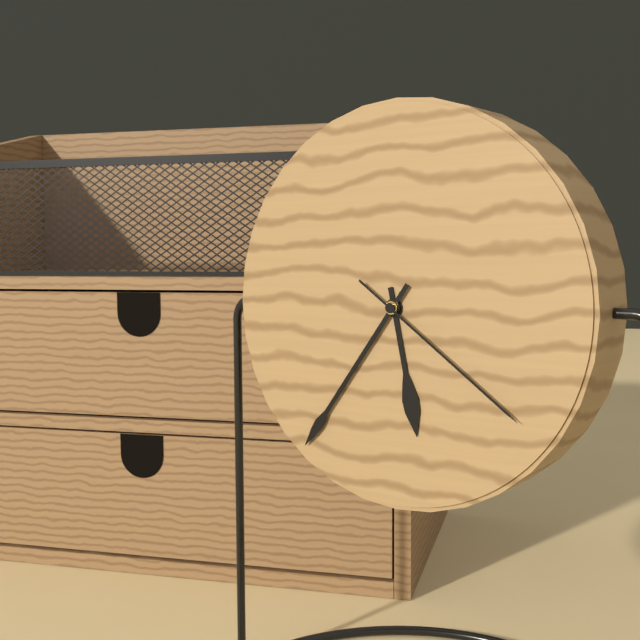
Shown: h=5 m=36 s=21
